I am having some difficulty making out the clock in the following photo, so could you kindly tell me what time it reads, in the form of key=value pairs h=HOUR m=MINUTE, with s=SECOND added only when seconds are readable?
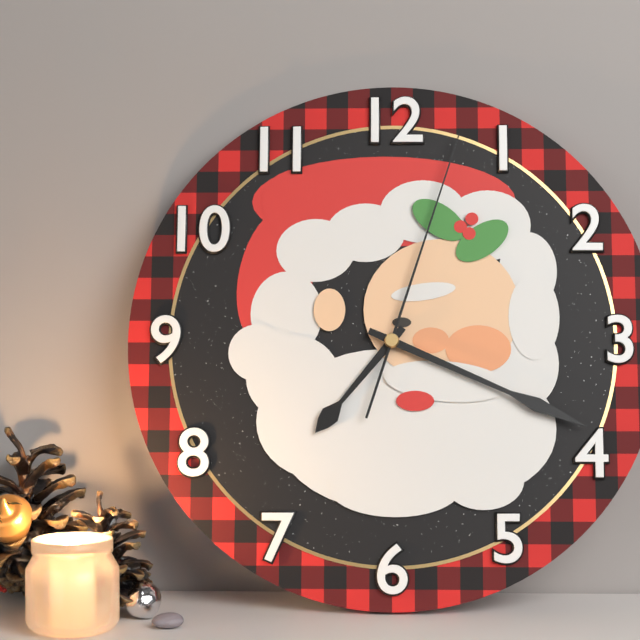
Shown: h=7 m=19 s=3
